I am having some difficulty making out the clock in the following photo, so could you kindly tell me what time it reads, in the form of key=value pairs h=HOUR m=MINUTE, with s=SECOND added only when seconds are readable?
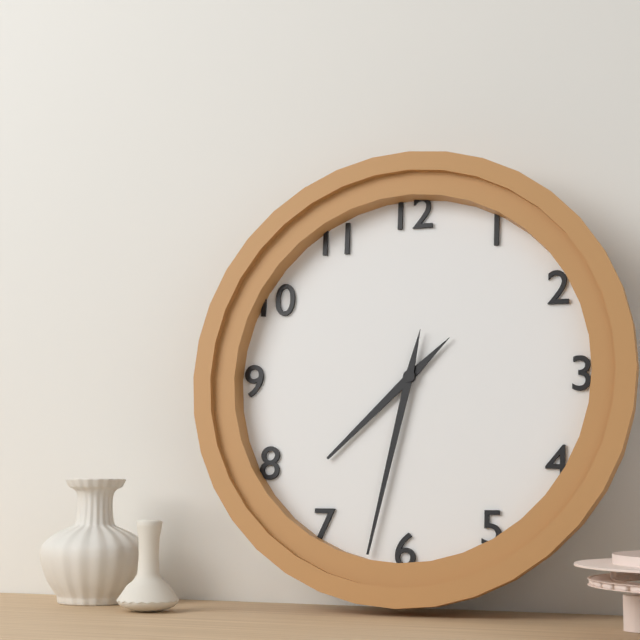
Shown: h=7 m=32
